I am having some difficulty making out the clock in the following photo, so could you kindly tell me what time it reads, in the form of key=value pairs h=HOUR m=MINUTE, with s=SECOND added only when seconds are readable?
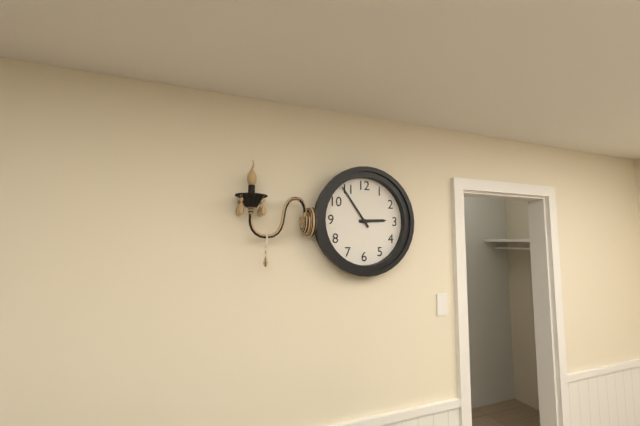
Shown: h=2 m=54
